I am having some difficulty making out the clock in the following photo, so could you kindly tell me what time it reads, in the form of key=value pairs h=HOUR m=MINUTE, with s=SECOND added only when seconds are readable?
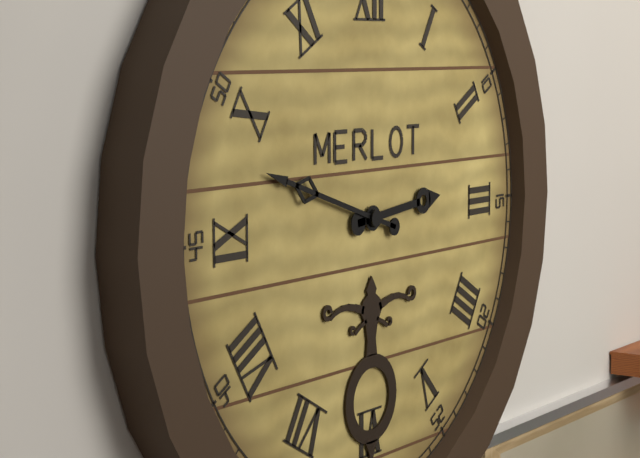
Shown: h=2 m=48
